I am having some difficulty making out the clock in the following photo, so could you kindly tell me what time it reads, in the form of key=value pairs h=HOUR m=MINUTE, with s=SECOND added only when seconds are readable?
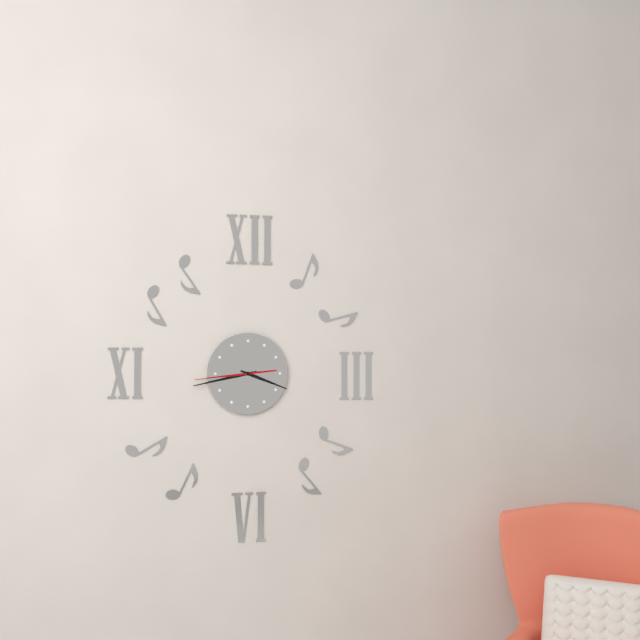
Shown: h=3 m=43 s=44
